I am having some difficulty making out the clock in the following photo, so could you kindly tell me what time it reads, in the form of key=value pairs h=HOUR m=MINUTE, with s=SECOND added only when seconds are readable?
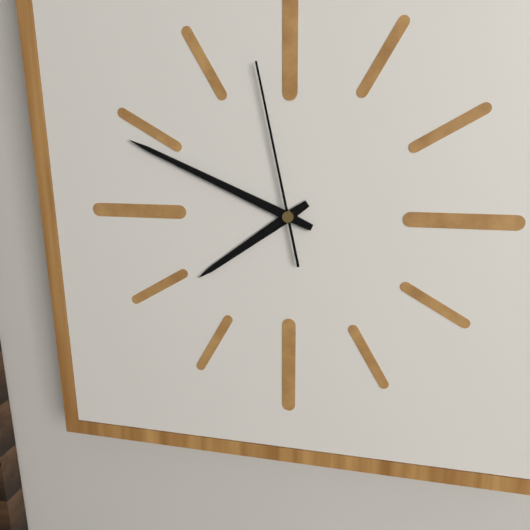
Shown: h=7 m=49 s=58
